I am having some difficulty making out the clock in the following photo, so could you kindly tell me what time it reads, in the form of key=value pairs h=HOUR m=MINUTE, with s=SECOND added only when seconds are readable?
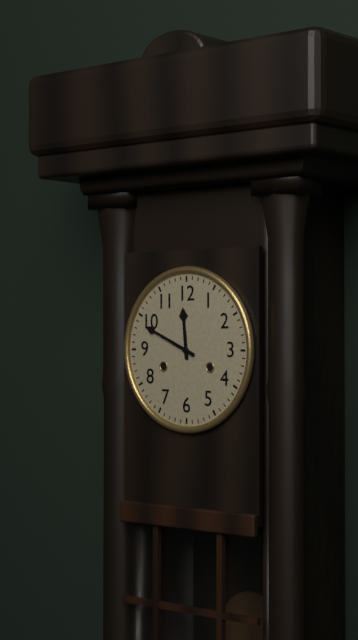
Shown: h=11 m=49
